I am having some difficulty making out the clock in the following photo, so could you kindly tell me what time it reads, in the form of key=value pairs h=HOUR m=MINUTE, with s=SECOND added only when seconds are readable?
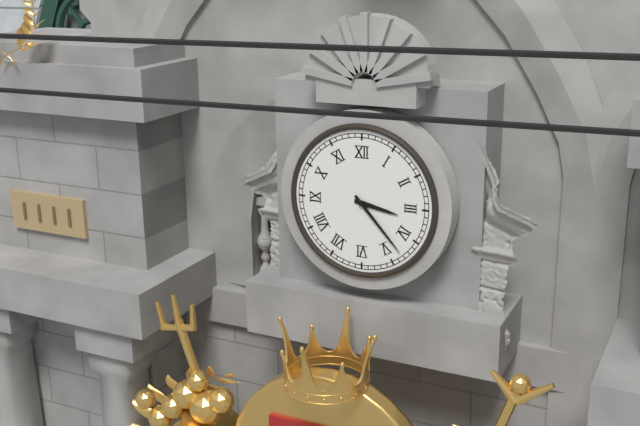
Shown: h=3 m=23
